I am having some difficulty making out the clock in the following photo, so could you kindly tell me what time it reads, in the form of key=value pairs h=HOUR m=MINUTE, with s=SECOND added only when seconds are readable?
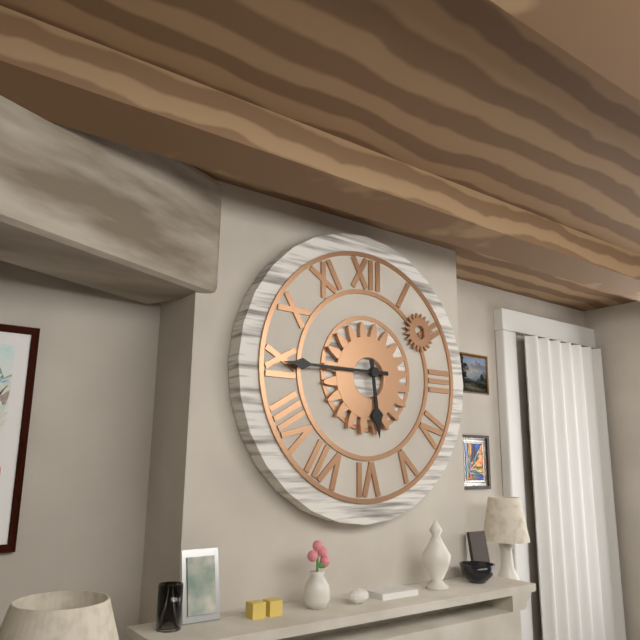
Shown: h=5 m=45
